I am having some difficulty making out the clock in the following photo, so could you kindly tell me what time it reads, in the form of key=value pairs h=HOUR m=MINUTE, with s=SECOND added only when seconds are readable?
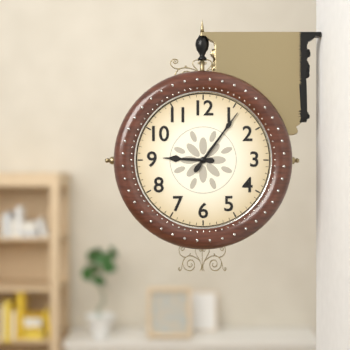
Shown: h=9 m=6
